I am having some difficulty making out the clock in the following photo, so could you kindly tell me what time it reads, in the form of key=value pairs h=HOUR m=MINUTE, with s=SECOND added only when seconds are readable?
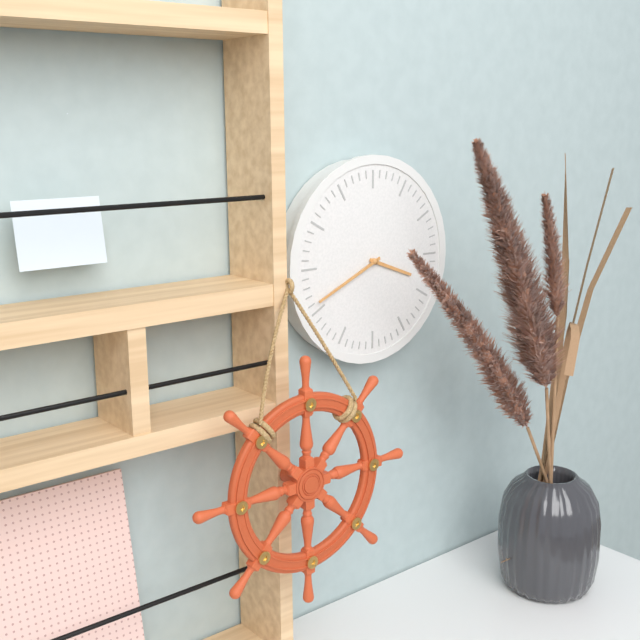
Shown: h=3 m=41
